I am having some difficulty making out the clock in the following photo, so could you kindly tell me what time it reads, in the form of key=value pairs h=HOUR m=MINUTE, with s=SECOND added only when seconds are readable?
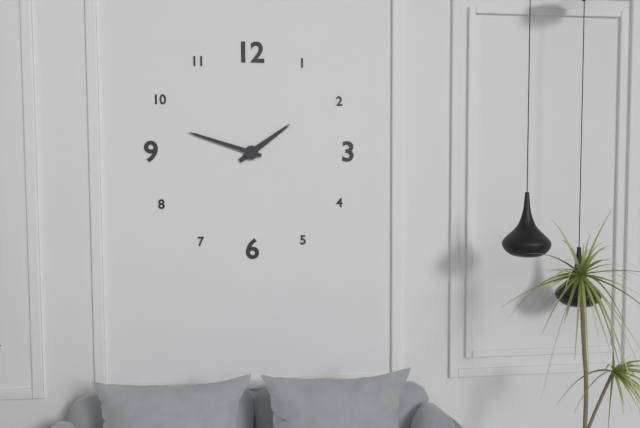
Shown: h=1 m=48
